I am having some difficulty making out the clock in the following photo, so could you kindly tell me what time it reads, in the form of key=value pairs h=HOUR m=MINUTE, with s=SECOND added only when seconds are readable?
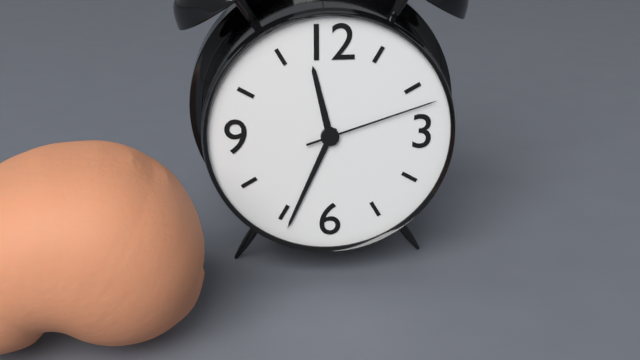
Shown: h=11 m=34 s=12
